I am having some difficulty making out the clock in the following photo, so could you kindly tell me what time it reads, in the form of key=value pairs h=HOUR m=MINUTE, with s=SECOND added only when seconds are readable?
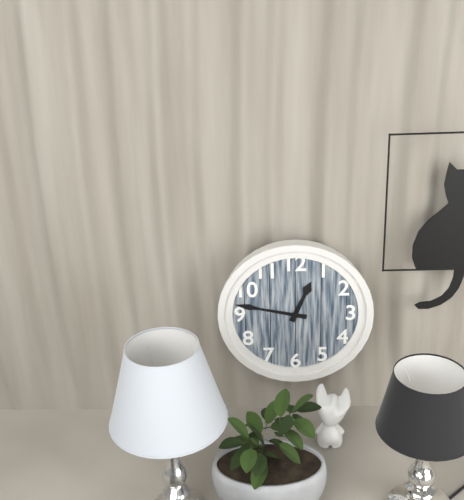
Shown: h=12 m=47
